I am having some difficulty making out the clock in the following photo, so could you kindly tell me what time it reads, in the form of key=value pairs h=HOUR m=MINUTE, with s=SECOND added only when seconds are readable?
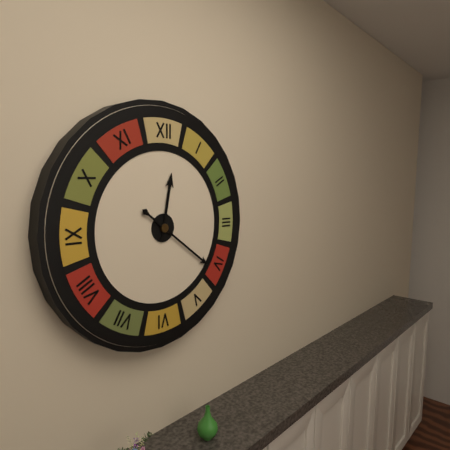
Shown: h=12 m=21
